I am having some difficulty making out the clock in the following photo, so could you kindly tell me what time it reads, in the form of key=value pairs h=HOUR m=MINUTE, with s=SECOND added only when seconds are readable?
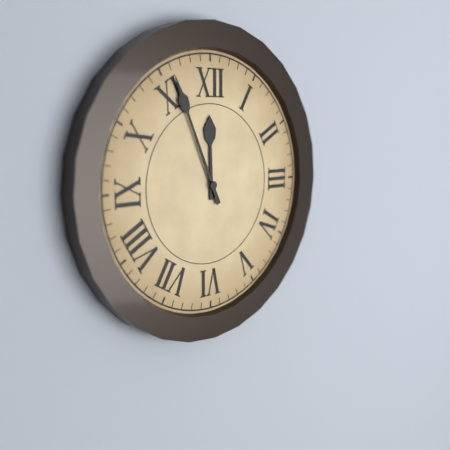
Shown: h=11 m=56
